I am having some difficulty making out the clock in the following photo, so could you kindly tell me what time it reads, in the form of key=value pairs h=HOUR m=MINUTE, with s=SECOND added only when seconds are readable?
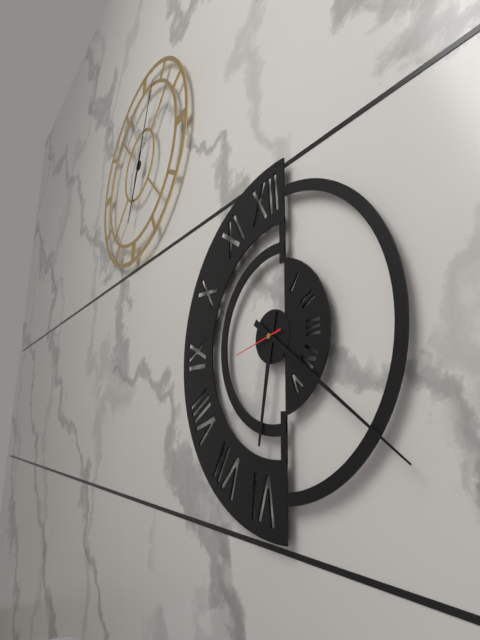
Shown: h=6 m=21
